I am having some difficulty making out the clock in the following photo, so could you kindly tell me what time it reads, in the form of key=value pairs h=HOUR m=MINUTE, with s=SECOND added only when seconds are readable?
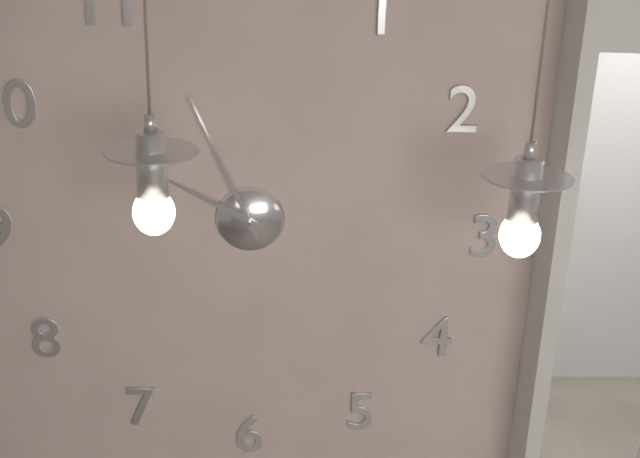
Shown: h=9 m=56
